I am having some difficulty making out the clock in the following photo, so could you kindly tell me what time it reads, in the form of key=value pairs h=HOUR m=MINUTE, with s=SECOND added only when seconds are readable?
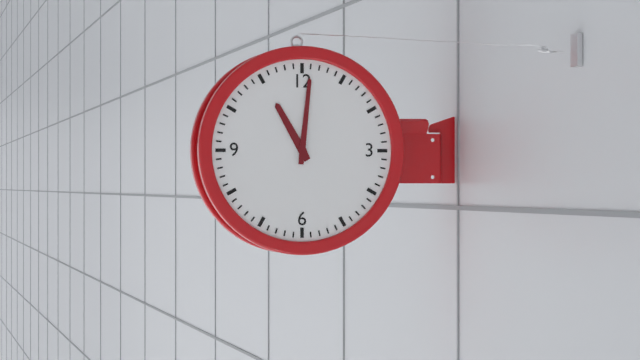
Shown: h=11 m=1
